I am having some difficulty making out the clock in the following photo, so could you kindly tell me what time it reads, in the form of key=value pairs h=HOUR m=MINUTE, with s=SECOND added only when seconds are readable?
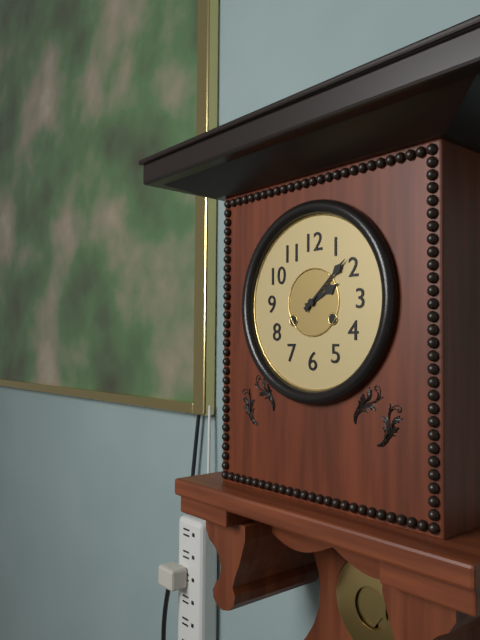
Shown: h=2 m=8
